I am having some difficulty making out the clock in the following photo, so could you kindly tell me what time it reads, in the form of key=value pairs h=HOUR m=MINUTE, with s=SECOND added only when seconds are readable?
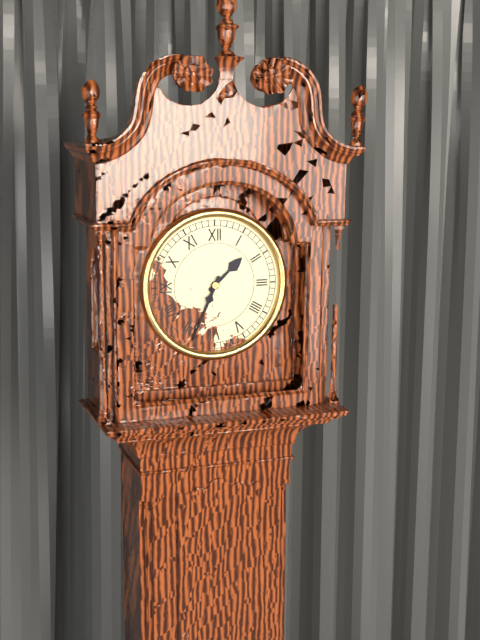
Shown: h=1 m=34
